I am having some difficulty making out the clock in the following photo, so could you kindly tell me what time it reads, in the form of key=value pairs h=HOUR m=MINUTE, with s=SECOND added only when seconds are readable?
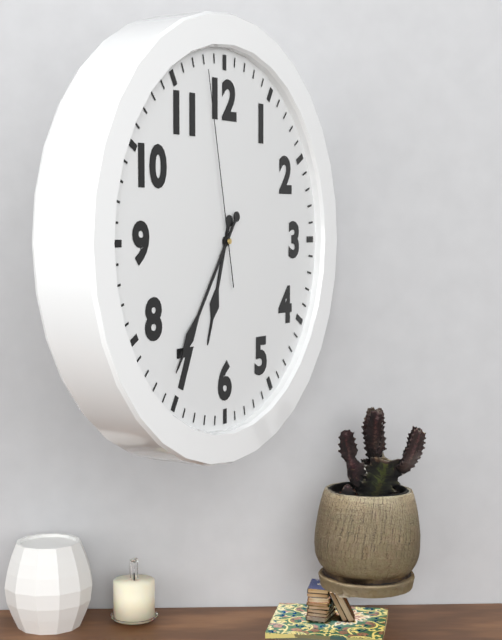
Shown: h=6 m=36 s=58
